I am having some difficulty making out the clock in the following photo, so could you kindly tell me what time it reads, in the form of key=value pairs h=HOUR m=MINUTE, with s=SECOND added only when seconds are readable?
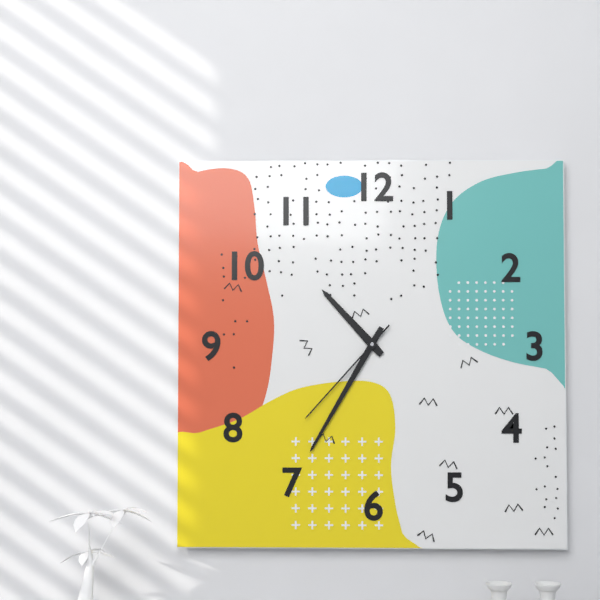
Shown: h=10 m=35 s=37
